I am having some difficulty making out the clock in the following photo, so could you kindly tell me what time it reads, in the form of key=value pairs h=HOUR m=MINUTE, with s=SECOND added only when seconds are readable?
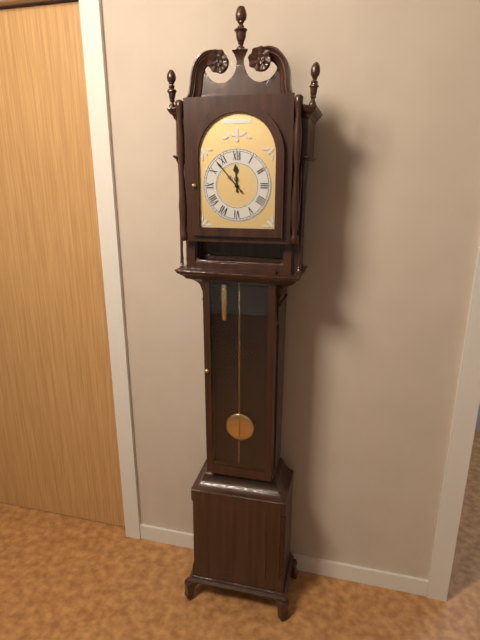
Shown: h=11 m=53
